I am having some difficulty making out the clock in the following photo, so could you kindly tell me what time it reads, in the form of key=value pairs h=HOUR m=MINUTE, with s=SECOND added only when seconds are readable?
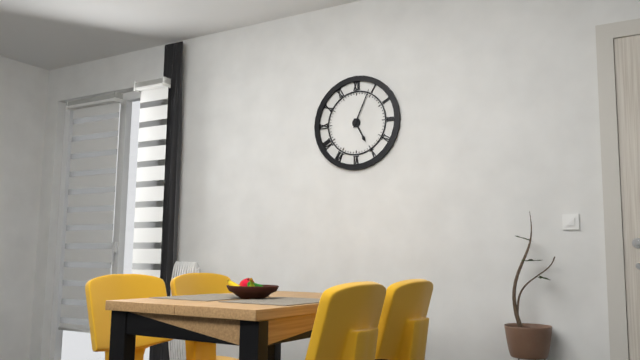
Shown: h=5 m=4
